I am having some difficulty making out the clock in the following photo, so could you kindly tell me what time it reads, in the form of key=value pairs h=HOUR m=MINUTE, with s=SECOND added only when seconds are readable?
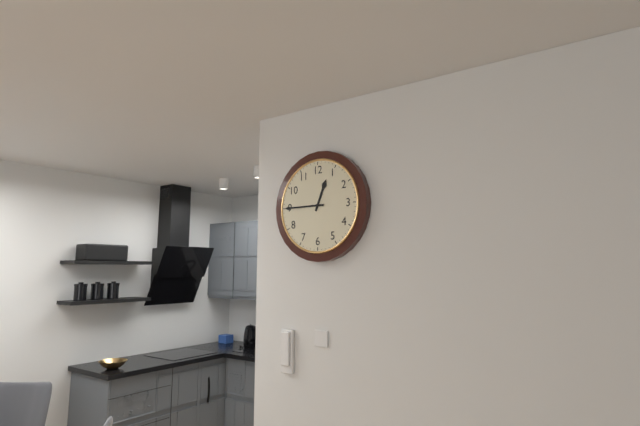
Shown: h=12 m=45
